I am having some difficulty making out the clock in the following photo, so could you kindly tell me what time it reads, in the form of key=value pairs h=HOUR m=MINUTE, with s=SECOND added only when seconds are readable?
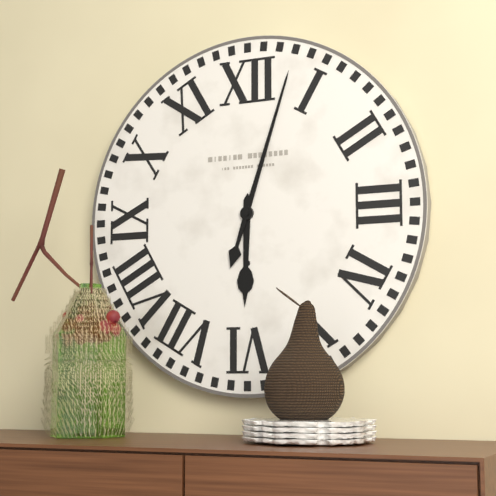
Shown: h=6 m=3
